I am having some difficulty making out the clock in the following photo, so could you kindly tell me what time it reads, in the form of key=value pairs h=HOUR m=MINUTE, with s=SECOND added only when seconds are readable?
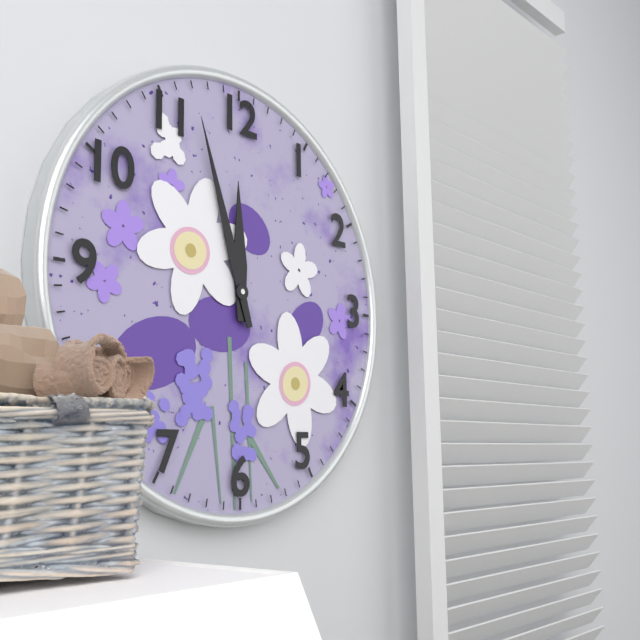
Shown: h=11 m=57
